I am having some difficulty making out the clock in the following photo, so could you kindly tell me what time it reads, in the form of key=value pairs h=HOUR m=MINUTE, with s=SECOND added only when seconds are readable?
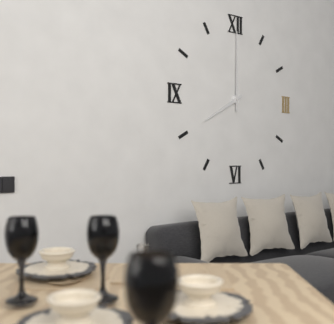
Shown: h=8 m=0
